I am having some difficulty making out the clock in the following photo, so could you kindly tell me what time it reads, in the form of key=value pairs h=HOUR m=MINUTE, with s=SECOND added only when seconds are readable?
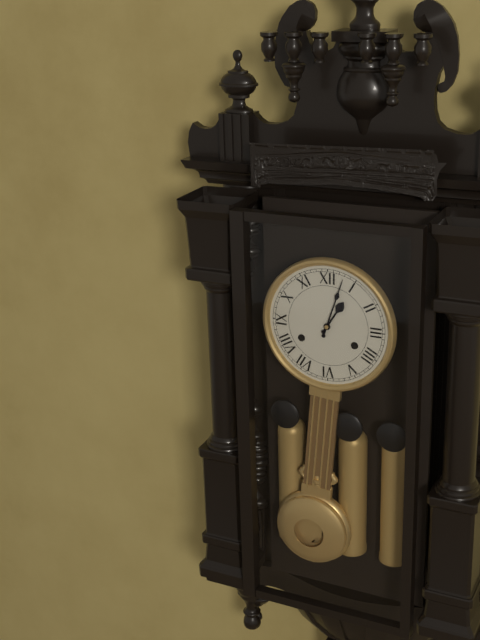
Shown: h=1 m=3
